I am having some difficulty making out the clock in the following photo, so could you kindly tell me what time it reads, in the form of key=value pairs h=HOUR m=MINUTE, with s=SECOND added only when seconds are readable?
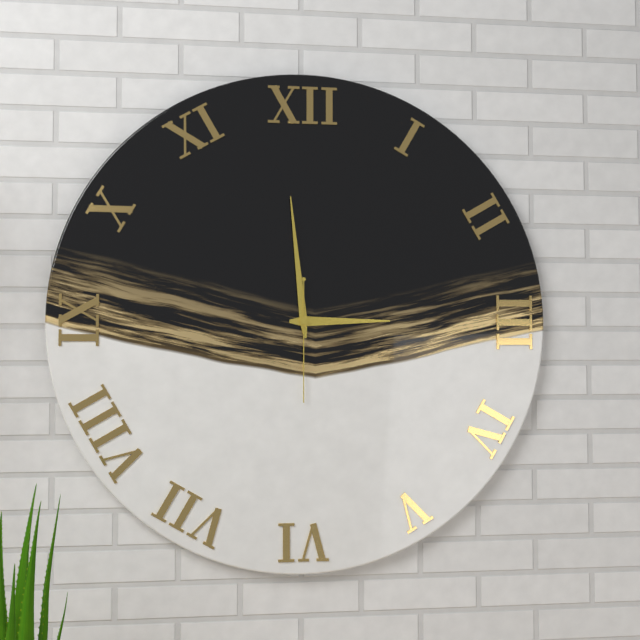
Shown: h=2 m=59 s=30
